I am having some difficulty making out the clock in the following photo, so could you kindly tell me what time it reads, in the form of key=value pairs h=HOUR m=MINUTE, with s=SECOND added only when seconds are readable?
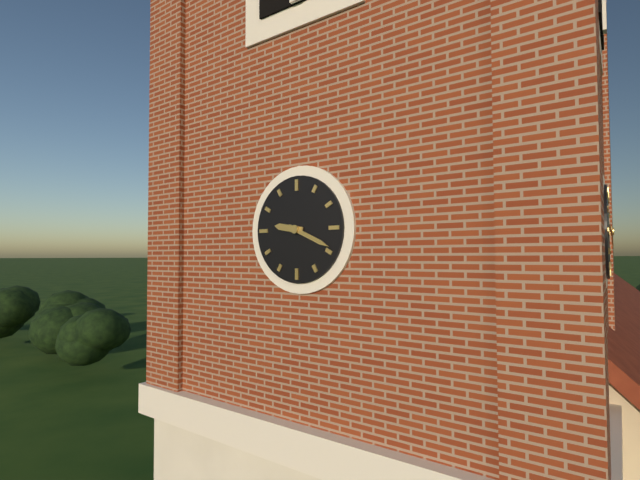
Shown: h=9 m=19
